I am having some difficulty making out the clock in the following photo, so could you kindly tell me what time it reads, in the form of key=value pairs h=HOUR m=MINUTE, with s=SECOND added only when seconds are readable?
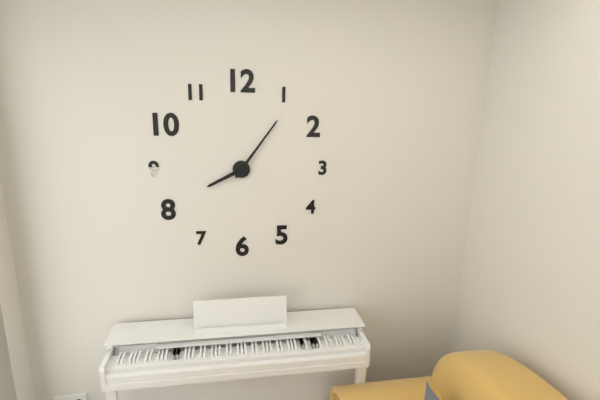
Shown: h=8 m=6
